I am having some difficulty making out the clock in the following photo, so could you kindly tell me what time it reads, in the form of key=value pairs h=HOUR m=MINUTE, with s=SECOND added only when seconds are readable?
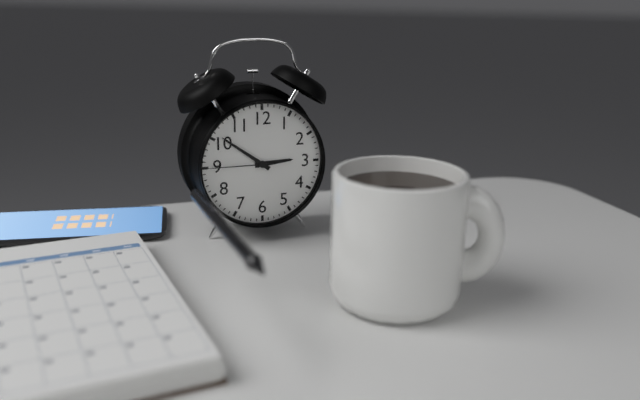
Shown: h=2 m=51 s=45
